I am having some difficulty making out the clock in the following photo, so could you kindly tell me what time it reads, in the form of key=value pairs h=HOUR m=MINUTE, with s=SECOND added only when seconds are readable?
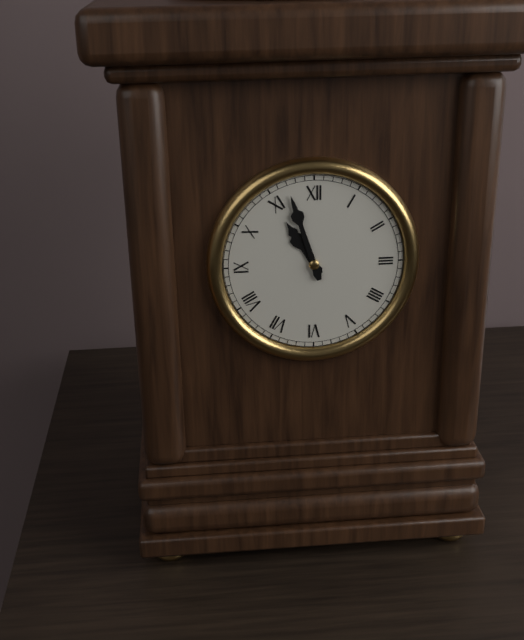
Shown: h=10 m=57
